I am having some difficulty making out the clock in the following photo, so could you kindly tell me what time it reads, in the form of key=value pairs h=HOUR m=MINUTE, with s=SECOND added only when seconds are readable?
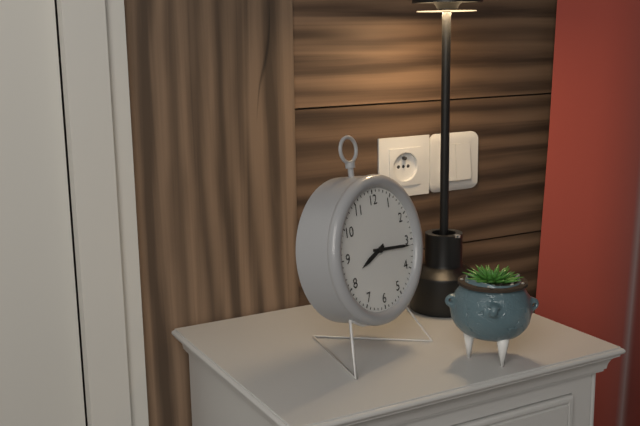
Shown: h=8 m=16
